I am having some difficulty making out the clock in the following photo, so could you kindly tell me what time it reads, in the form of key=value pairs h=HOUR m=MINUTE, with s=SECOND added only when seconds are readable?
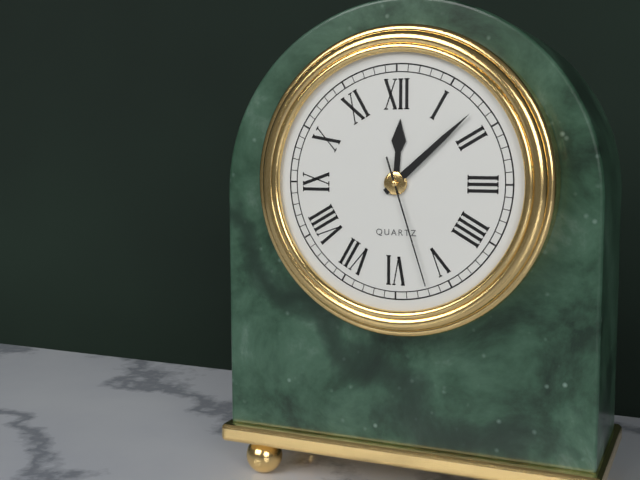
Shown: h=12 m=8 s=27
